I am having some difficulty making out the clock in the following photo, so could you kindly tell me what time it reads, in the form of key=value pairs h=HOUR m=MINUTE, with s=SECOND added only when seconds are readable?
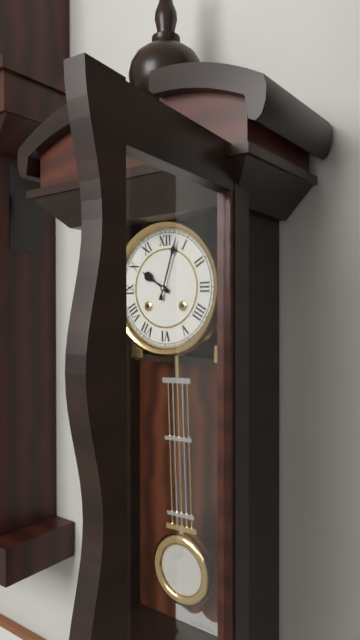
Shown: h=10 m=3
